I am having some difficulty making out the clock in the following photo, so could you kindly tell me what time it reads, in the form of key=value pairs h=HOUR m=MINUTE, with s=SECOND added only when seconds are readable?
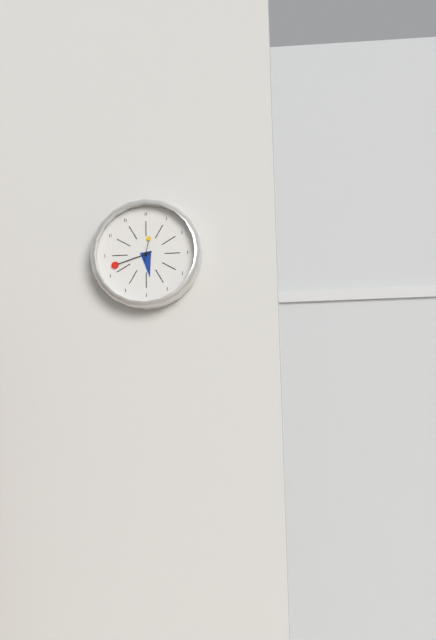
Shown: h=5 m=42
